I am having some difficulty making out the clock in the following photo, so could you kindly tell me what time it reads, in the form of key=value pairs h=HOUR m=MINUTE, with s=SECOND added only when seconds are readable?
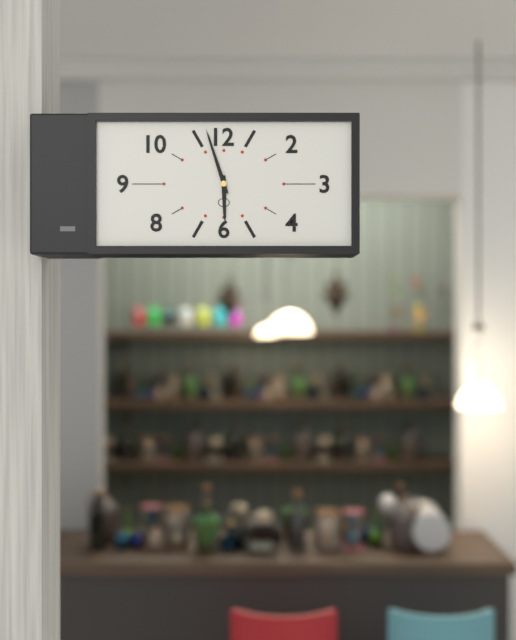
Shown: h=5 m=57
